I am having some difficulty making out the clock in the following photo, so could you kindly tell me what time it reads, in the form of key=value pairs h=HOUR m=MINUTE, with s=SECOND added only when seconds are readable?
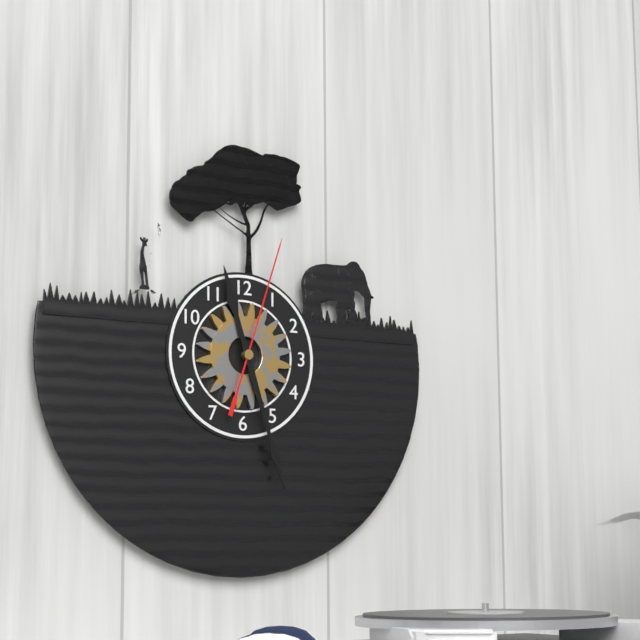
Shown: h=11 m=27 s=3
